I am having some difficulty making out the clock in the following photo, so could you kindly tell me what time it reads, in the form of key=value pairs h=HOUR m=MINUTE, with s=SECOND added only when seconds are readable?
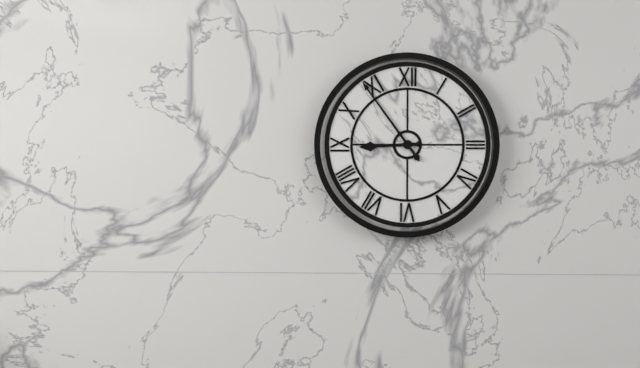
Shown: h=8 m=54
